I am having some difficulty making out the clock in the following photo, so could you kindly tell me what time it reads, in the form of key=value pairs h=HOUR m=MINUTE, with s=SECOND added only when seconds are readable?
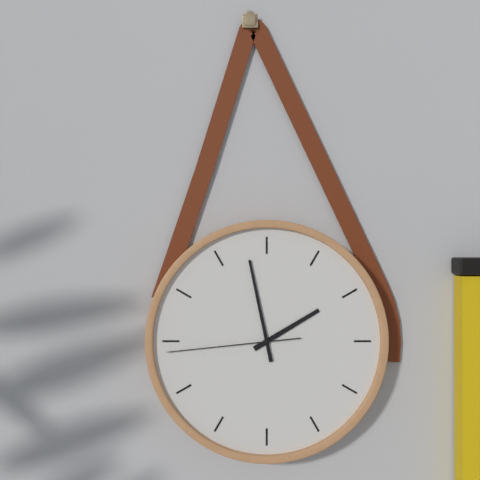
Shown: h=1 m=58 s=44
